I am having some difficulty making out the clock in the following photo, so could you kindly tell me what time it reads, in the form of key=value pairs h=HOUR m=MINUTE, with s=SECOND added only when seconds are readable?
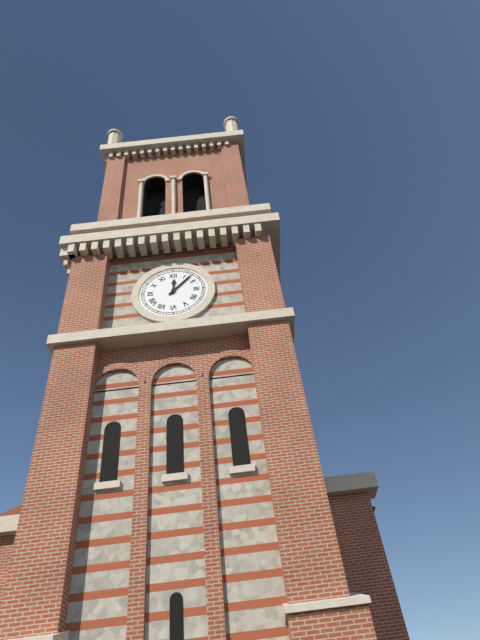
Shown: h=12 m=7
